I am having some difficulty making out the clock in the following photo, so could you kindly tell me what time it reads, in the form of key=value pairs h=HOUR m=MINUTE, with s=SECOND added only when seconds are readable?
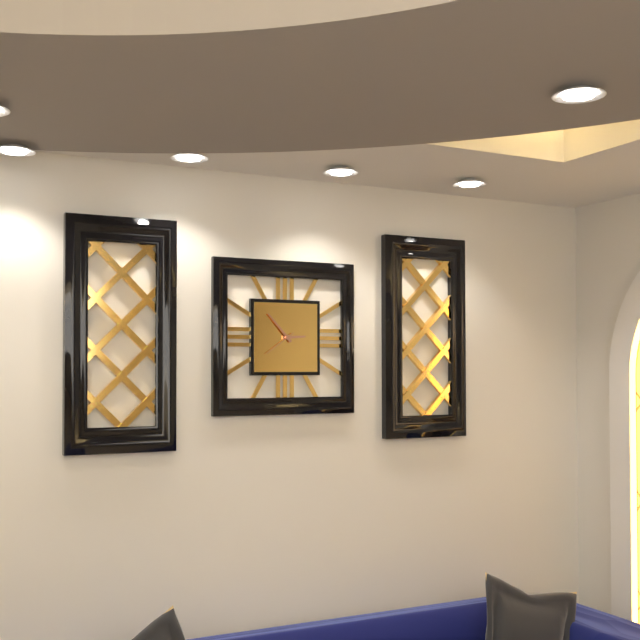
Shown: h=2 m=53
